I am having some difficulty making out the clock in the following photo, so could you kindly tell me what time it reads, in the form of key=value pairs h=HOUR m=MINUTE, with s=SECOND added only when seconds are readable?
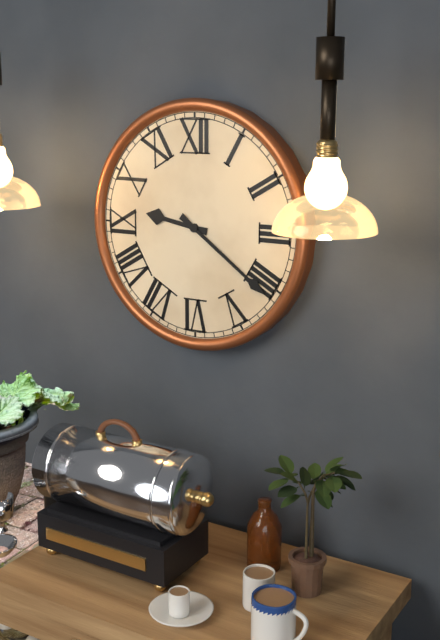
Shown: h=9 m=21
